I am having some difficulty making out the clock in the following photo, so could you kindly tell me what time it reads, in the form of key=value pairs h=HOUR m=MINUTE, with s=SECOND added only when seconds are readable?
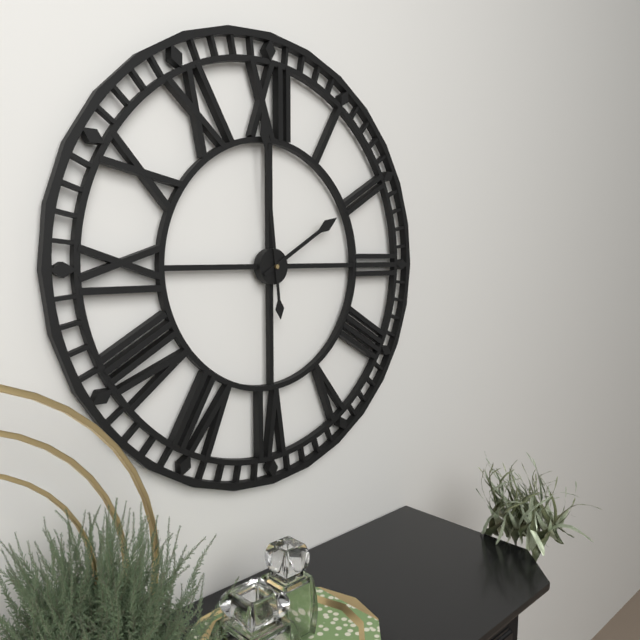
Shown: h=1 m=59
